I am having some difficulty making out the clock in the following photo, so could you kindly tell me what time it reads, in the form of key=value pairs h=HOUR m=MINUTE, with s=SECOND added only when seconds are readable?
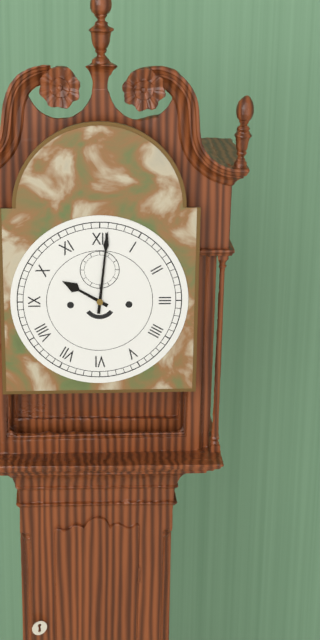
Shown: h=10 m=1
